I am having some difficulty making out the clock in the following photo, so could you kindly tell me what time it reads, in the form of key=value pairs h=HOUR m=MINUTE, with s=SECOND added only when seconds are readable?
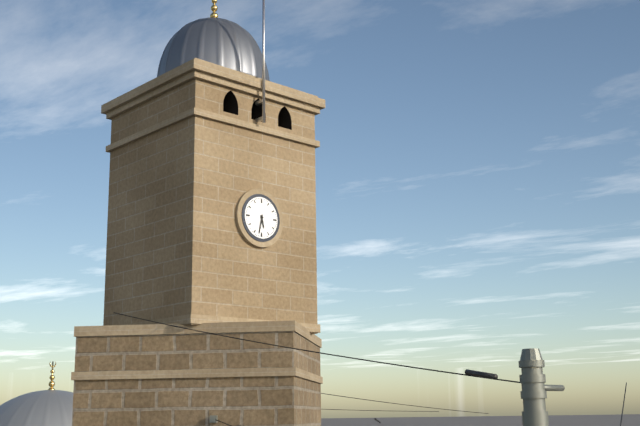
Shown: h=5 m=32
